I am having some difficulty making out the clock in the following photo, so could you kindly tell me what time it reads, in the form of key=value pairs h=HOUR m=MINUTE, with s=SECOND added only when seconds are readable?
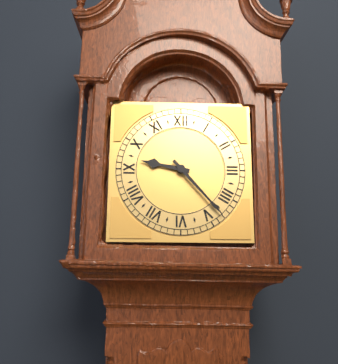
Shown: h=9 m=23
